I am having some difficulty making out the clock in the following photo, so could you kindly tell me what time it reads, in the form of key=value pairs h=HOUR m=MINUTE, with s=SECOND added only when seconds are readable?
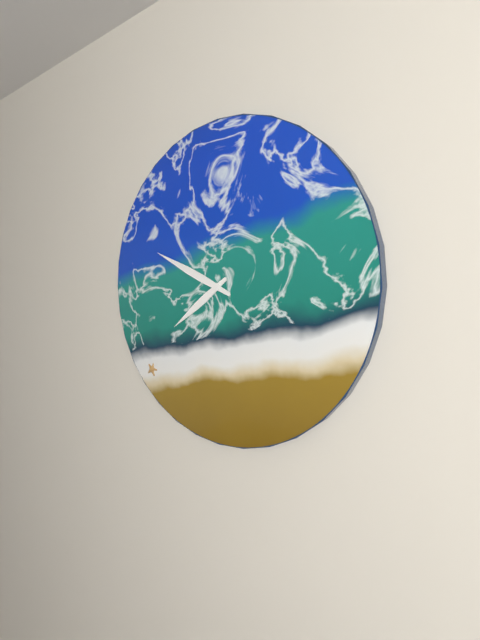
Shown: h=7 m=49
